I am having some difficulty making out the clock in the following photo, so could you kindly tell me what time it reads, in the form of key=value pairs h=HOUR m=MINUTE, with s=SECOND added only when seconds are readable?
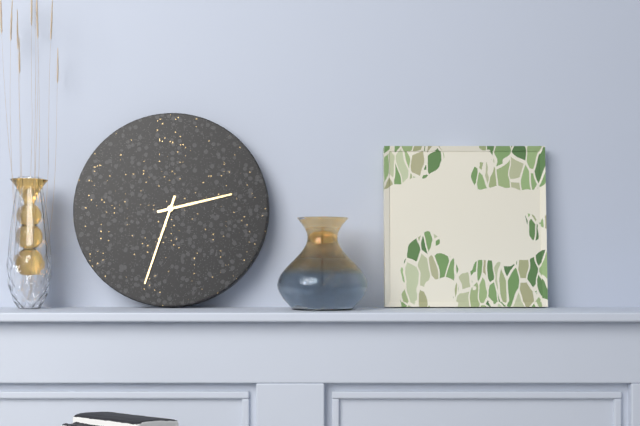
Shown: h=2 m=33
